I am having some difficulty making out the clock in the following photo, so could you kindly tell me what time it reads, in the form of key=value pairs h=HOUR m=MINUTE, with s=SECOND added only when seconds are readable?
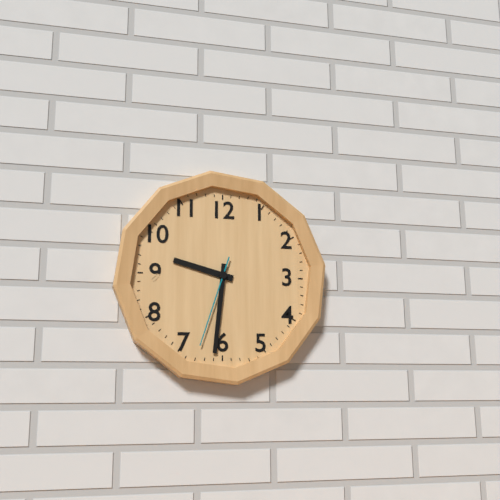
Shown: h=9 m=31 s=33
